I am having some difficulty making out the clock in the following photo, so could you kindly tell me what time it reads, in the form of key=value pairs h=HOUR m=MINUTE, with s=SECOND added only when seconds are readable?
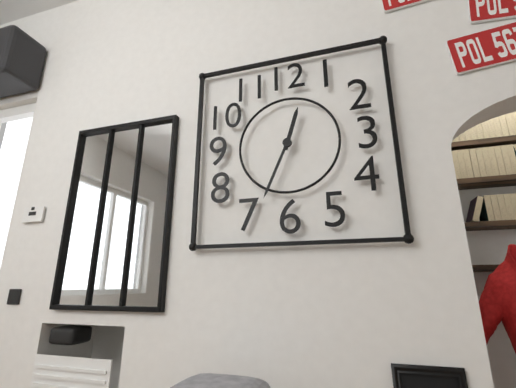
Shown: h=12 m=34
